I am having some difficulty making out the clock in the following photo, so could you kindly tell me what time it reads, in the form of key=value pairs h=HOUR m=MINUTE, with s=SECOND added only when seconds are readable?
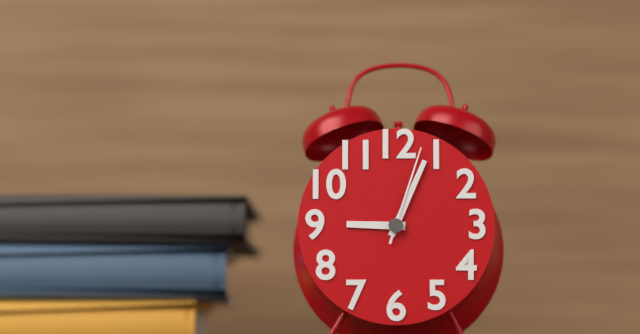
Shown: h=9 m=4 s=3
